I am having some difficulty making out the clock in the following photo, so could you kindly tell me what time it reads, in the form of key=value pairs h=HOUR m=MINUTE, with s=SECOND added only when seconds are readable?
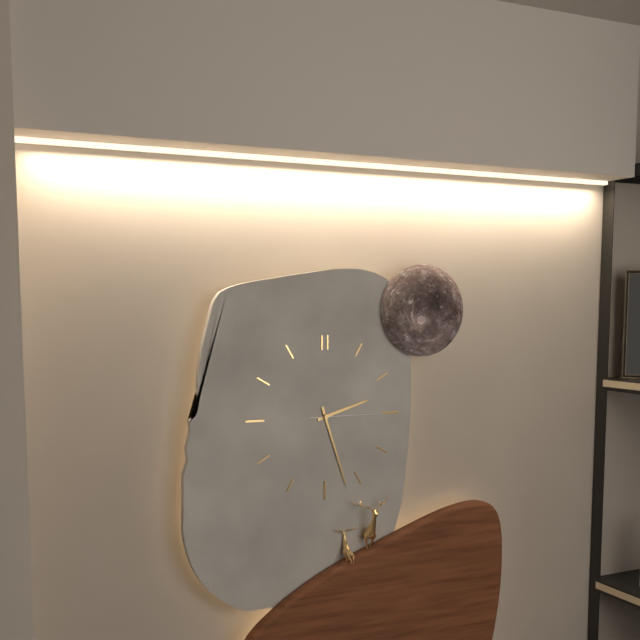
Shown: h=2 m=27 s=15
